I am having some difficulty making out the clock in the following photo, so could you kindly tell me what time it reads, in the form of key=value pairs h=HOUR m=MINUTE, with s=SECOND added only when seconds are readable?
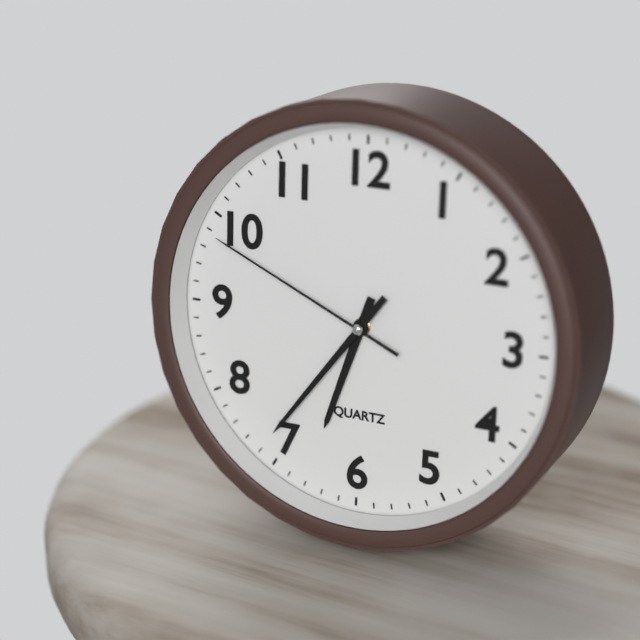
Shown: h=6 m=36 s=49
